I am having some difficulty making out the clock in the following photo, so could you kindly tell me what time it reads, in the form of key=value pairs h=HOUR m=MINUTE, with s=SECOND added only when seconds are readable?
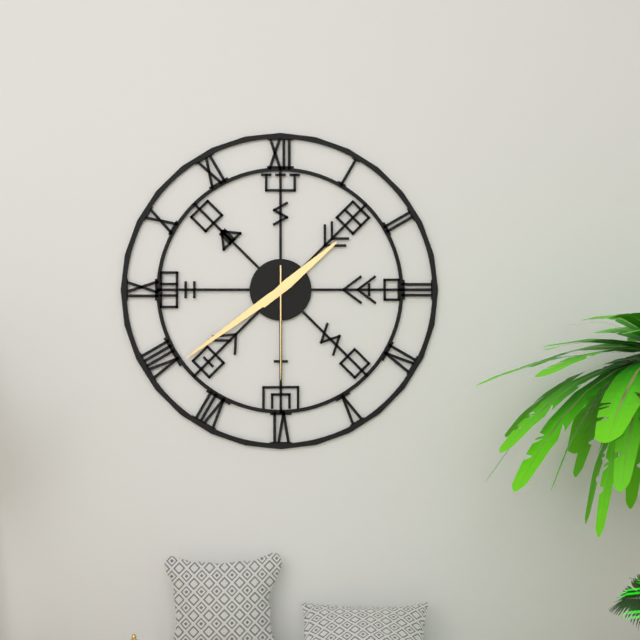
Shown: h=1 m=39 s=30
